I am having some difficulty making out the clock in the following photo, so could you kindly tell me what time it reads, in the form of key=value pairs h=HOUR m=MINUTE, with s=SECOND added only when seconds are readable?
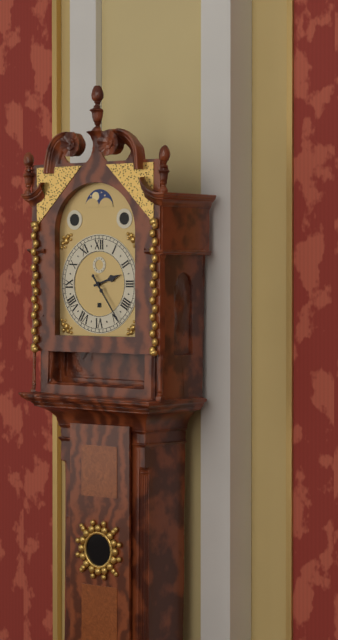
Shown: h=2 m=24
